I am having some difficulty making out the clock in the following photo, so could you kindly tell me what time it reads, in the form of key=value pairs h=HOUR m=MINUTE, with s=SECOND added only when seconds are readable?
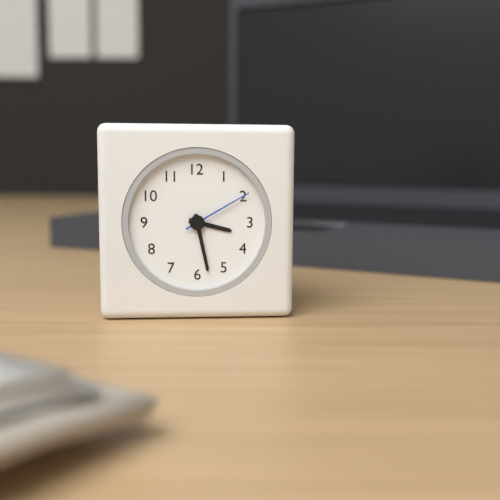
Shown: h=3 m=28 s=10
